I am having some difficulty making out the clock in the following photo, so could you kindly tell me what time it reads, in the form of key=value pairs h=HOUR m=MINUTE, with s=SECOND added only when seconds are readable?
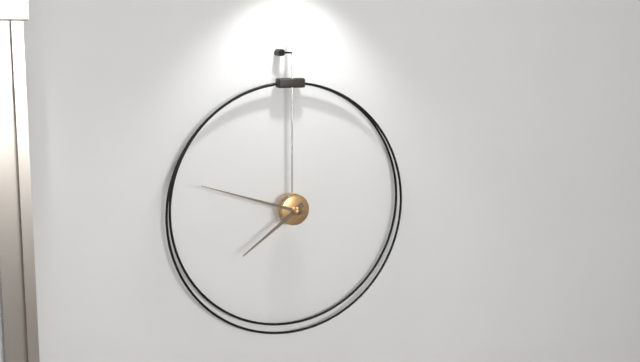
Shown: h=7 m=48
